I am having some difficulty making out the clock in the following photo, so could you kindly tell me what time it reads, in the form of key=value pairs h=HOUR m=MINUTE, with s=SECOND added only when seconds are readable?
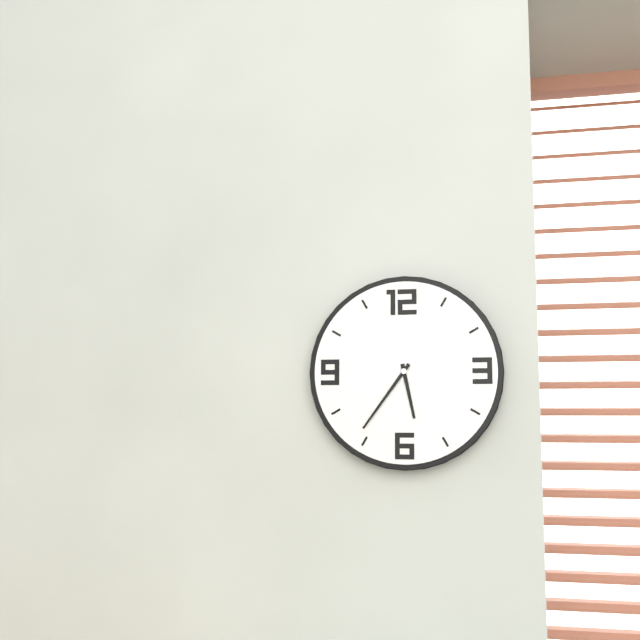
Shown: h=5 m=36
